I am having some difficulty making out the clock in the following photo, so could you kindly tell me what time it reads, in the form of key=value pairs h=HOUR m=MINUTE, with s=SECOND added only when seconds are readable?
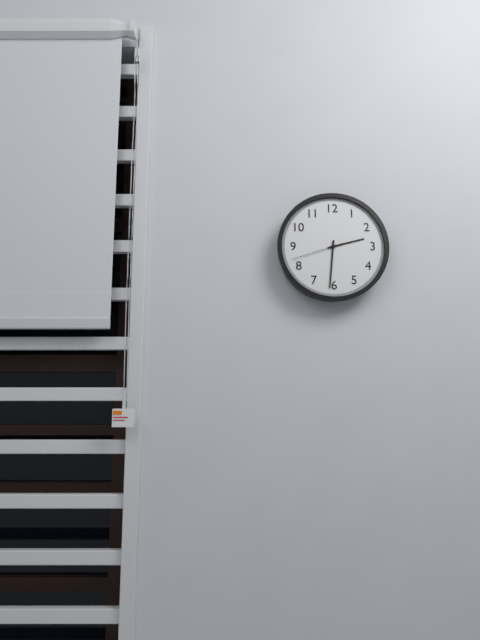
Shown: h=2 m=31 s=42
